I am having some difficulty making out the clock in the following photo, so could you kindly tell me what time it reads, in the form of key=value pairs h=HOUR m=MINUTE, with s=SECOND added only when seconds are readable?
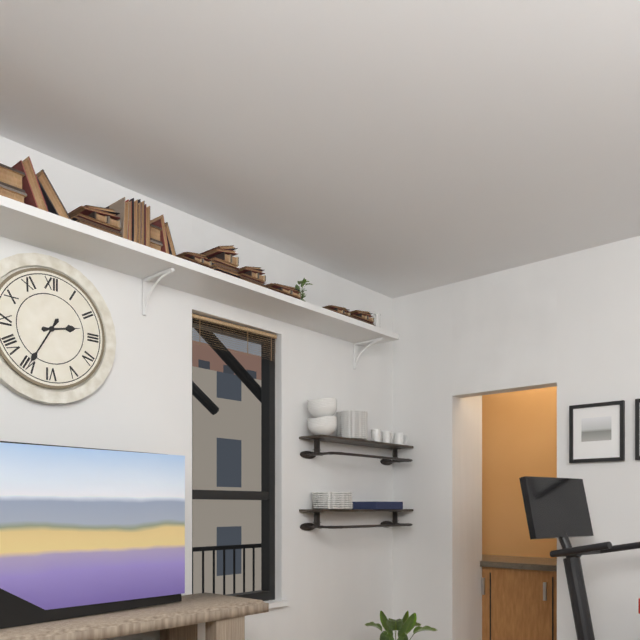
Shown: h=2 m=35
